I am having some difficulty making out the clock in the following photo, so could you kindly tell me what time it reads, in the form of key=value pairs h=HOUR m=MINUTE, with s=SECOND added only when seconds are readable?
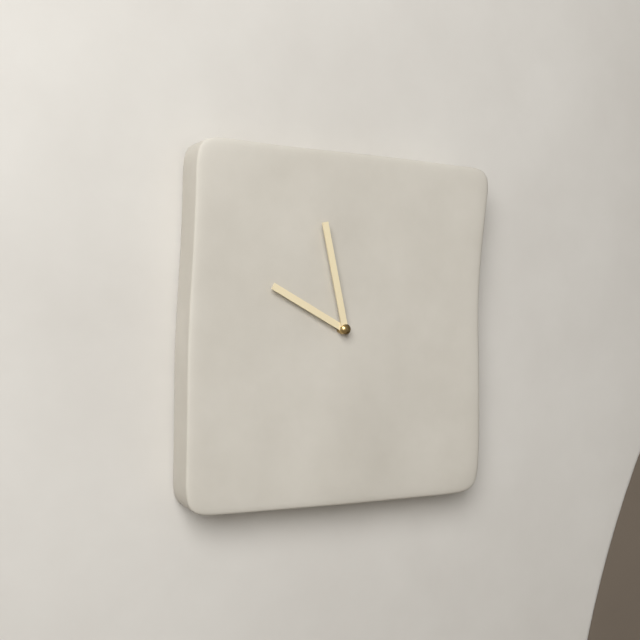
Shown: h=9 m=58
